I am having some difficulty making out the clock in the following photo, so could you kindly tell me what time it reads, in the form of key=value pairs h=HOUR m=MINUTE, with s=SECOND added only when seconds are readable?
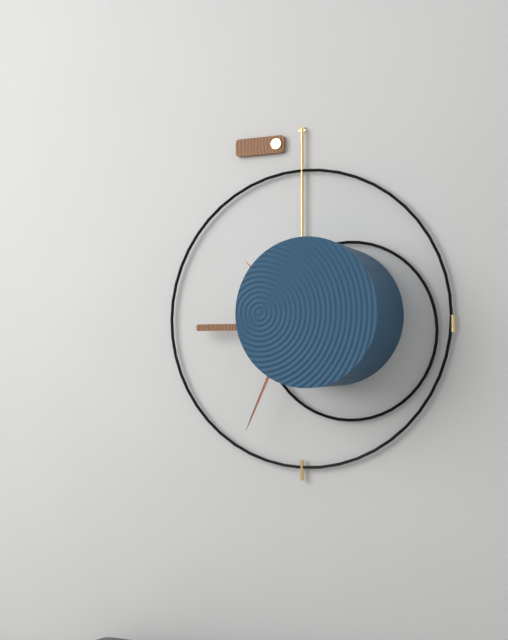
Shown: h=10 m=34
